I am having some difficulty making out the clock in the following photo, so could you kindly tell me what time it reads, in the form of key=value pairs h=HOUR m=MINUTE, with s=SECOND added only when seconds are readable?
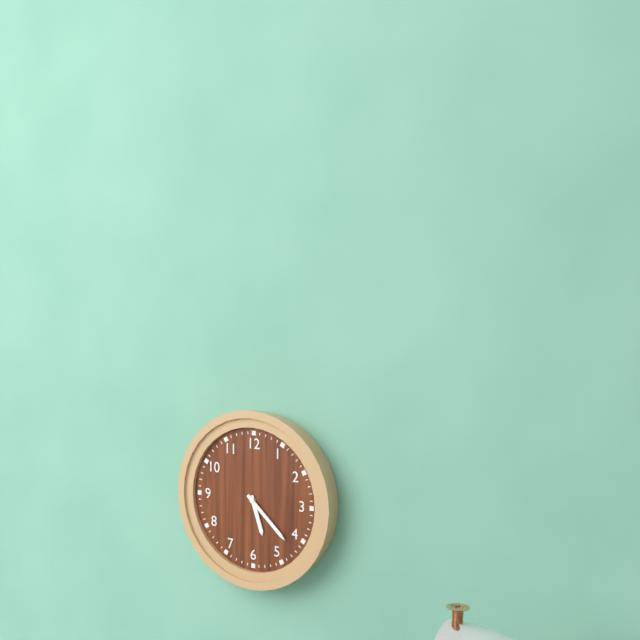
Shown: h=5 m=22
